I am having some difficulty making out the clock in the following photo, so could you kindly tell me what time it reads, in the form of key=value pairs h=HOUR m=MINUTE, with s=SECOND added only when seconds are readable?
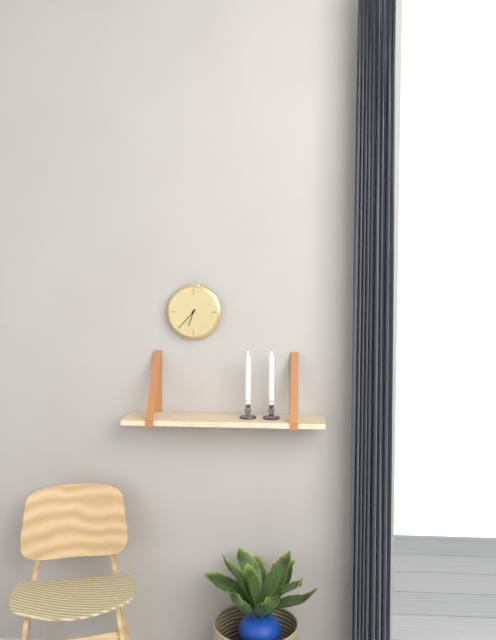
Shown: h=6 m=37
